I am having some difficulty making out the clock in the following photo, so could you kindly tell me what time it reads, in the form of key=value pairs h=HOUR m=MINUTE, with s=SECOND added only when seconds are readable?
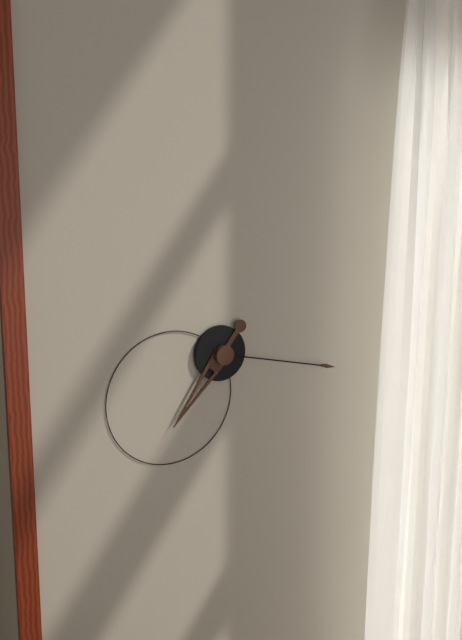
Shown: h=7 m=17
